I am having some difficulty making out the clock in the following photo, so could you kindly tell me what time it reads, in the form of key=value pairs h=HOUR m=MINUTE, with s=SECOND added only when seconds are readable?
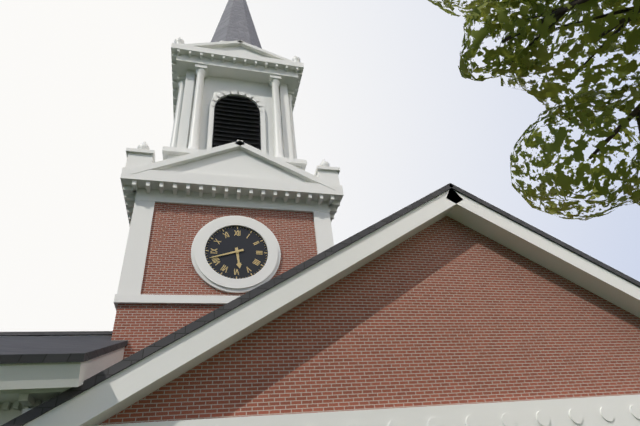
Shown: h=5 m=42
